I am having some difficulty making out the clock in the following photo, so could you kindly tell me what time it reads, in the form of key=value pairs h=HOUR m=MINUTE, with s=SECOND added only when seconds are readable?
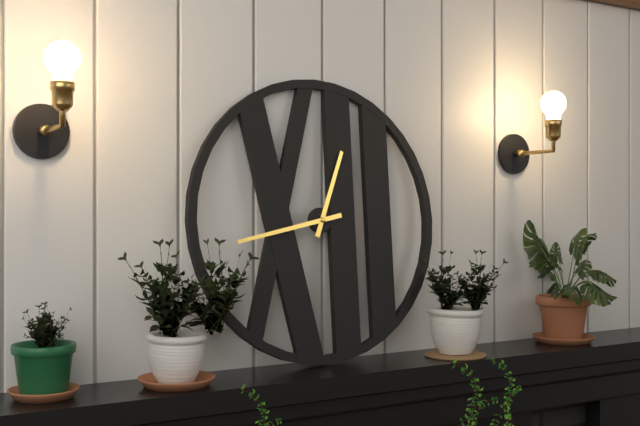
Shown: h=12 m=43
